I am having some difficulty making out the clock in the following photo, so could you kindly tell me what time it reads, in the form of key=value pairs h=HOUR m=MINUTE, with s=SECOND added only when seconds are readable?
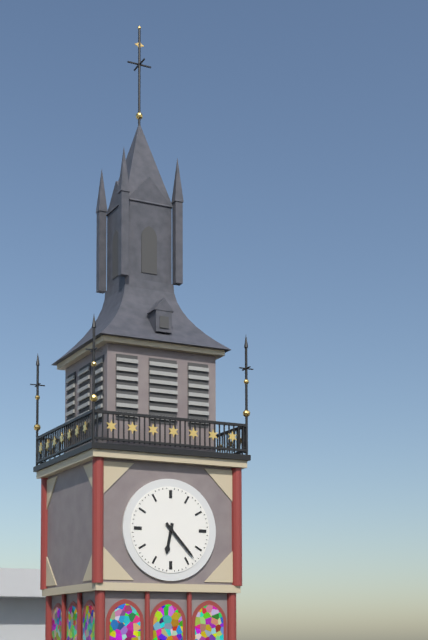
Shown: h=6 m=23
